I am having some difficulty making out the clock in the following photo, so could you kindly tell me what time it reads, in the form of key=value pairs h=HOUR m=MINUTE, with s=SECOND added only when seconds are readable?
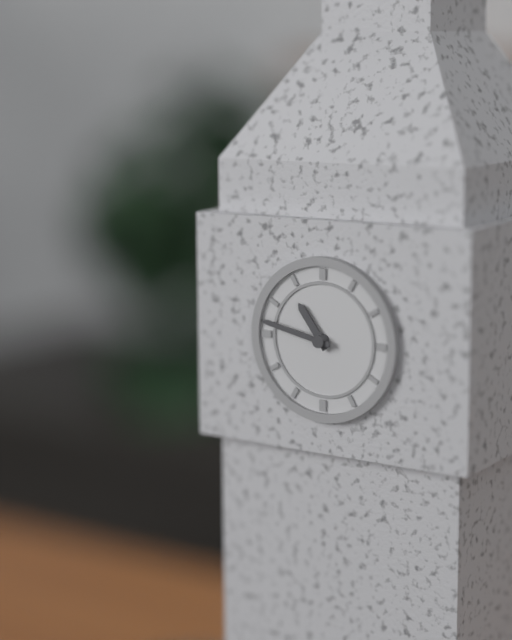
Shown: h=10 m=47
